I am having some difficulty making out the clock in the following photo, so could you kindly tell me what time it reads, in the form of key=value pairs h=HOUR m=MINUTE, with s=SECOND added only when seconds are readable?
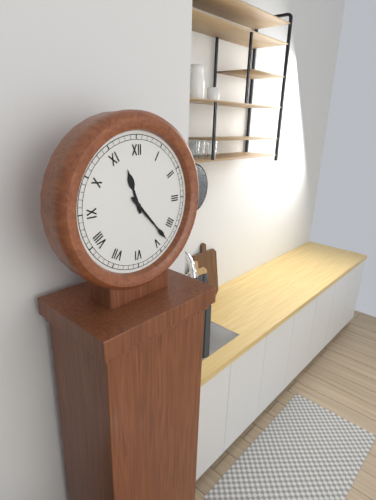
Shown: h=11 m=23
